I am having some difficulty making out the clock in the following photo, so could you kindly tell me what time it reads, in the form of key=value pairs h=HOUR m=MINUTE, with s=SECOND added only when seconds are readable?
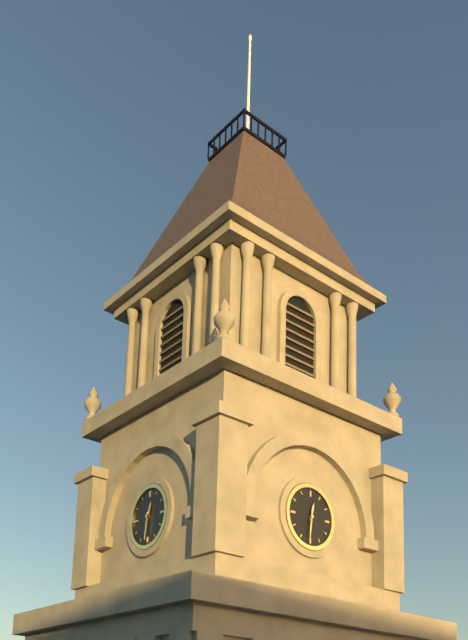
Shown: h=12 m=31
